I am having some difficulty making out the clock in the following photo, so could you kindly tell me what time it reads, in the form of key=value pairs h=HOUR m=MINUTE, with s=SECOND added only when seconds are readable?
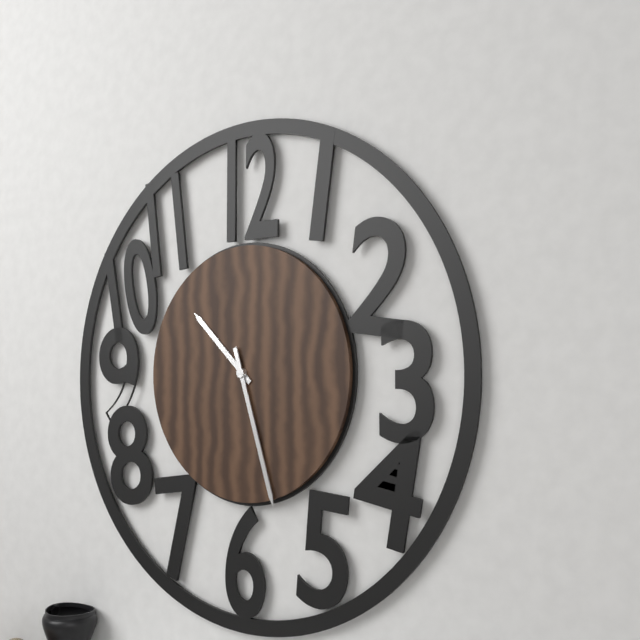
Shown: h=10 m=27
